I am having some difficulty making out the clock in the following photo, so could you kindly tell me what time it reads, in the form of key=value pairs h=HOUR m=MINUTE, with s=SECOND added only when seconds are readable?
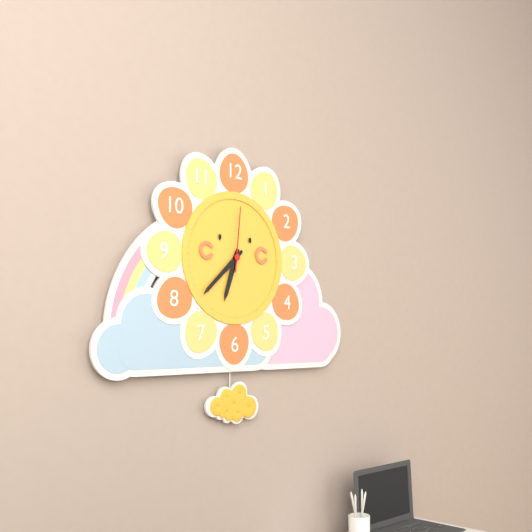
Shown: h=6 m=38 s=1
